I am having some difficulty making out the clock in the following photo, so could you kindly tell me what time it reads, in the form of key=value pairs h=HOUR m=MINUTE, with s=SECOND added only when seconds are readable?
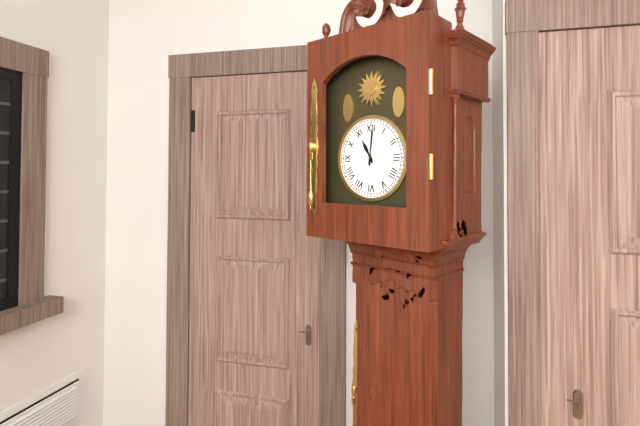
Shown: h=11 m=1
